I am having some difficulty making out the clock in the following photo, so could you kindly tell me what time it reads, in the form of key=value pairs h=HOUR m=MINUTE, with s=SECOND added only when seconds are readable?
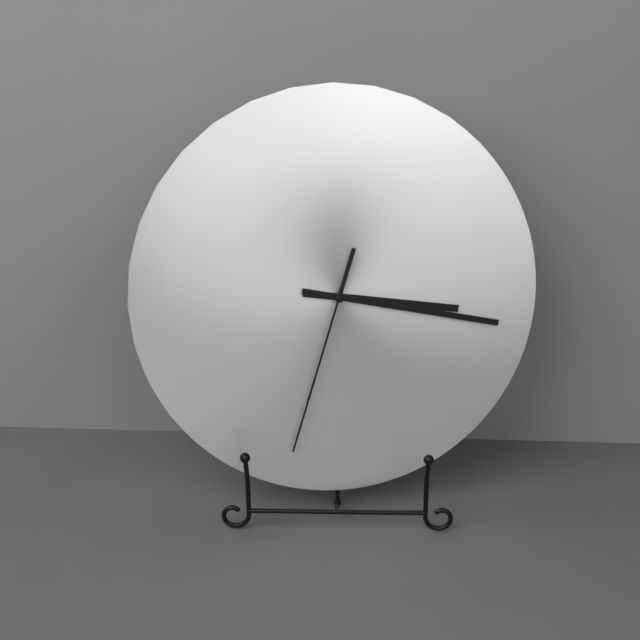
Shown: h=3 m=17 s=33
